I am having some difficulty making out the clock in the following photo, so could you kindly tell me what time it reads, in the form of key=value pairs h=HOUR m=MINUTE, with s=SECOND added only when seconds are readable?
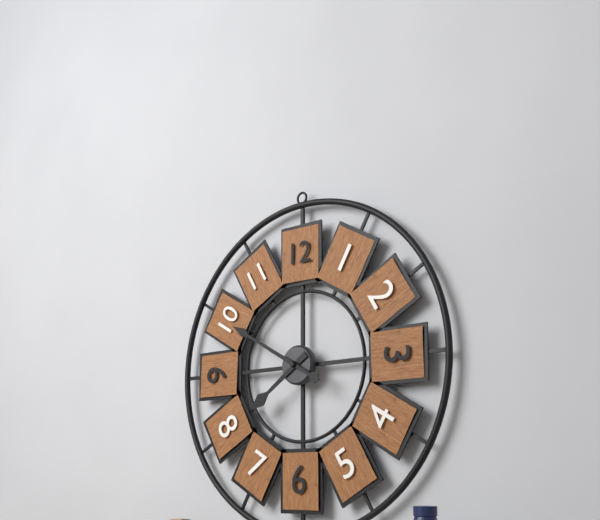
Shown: h=7 m=50
